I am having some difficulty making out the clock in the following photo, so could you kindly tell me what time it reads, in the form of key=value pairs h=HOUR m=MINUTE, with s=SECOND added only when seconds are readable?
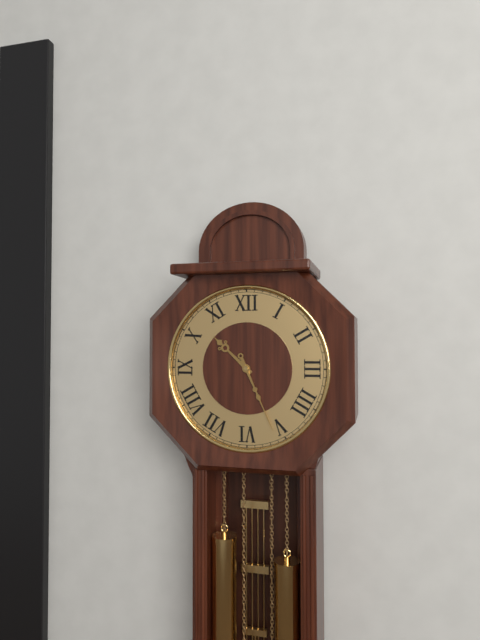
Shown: h=10 m=26
